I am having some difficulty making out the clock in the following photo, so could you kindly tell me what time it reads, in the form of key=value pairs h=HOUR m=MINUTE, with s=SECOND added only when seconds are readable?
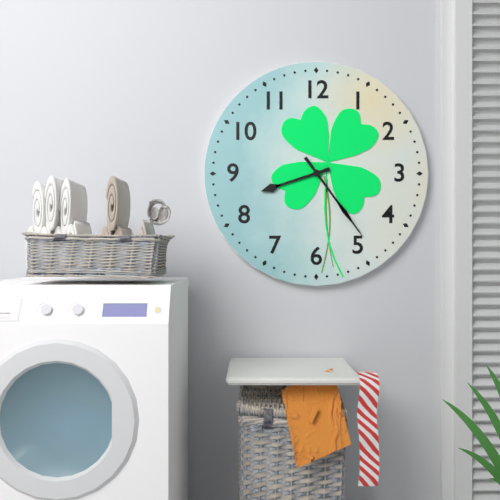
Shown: h=8 m=24
